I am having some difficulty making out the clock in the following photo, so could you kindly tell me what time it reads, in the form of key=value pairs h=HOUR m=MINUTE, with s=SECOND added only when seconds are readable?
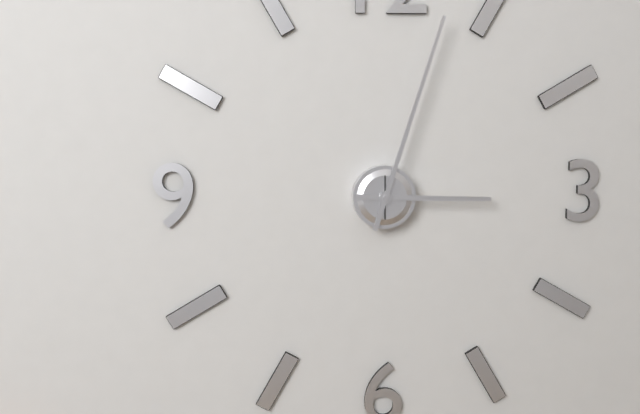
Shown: h=3 m=3
